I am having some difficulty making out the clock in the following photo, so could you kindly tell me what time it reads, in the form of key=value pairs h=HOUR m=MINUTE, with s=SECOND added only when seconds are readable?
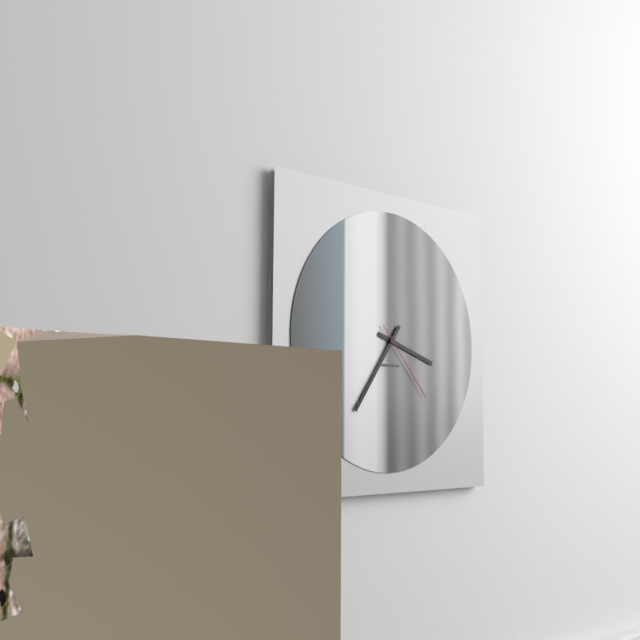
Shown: h=3 m=36 s=23
